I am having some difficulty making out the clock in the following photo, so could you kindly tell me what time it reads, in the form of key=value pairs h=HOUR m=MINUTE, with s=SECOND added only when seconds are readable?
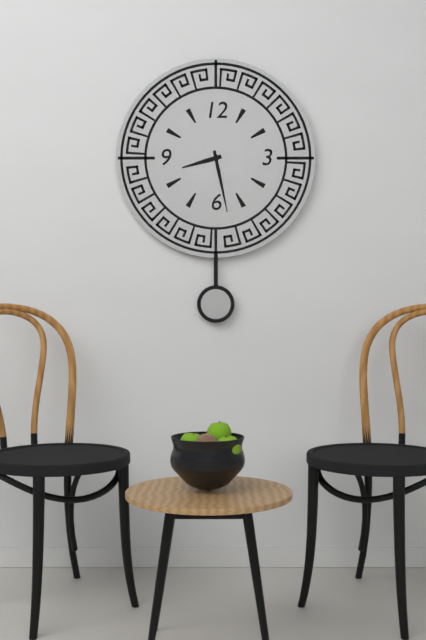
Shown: h=8 m=28
